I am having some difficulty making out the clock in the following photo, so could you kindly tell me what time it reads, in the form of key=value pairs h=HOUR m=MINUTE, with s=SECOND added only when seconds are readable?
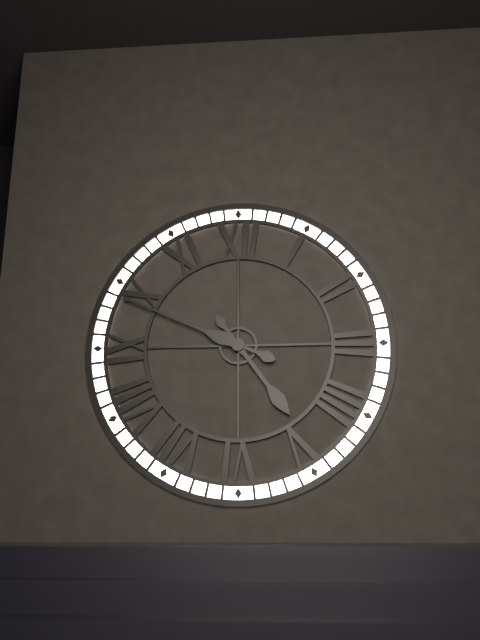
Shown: h=4 m=49
